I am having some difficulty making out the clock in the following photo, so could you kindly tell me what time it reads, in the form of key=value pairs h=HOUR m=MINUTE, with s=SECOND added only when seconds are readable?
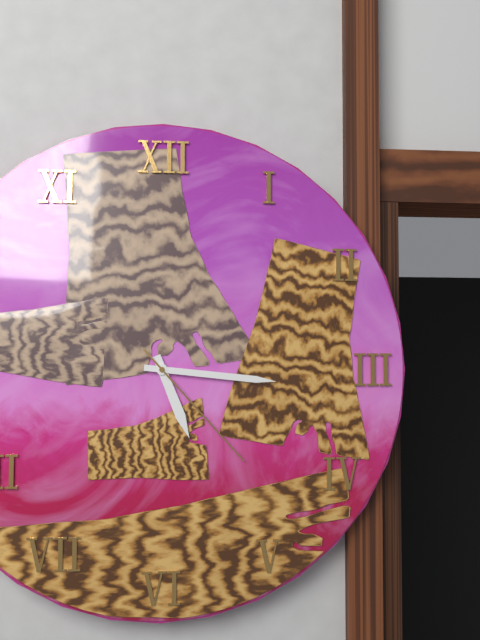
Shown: h=5 m=16 s=23
